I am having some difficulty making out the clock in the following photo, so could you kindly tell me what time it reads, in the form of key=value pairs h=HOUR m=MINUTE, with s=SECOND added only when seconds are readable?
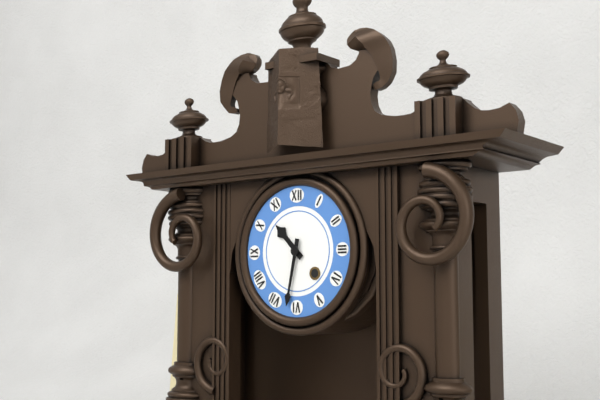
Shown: h=10 m=32
